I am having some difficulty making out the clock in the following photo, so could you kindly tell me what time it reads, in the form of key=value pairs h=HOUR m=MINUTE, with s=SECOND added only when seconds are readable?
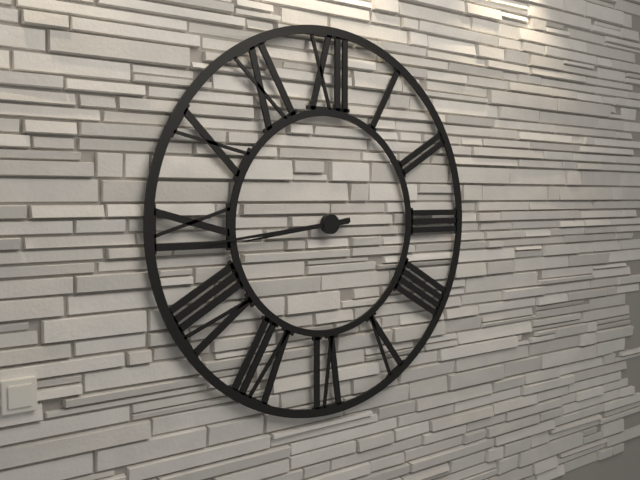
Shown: h=8 m=44
